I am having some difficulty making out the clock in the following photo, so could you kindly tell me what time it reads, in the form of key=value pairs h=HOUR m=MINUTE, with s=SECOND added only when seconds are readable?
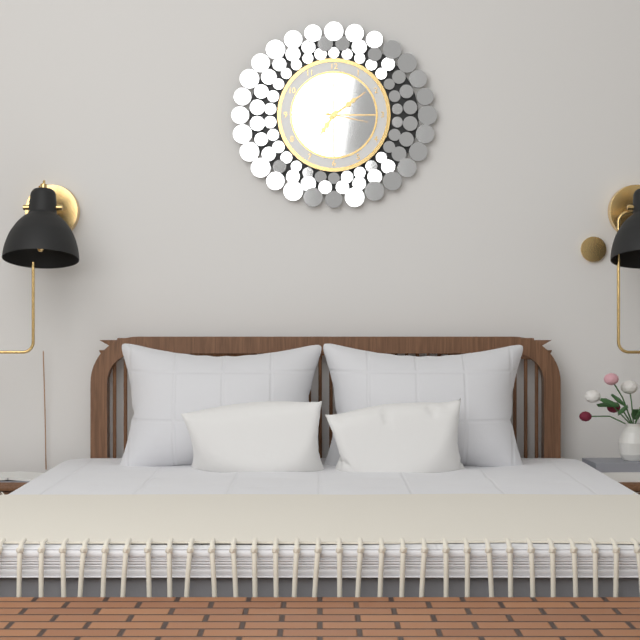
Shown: h=7 m=9
